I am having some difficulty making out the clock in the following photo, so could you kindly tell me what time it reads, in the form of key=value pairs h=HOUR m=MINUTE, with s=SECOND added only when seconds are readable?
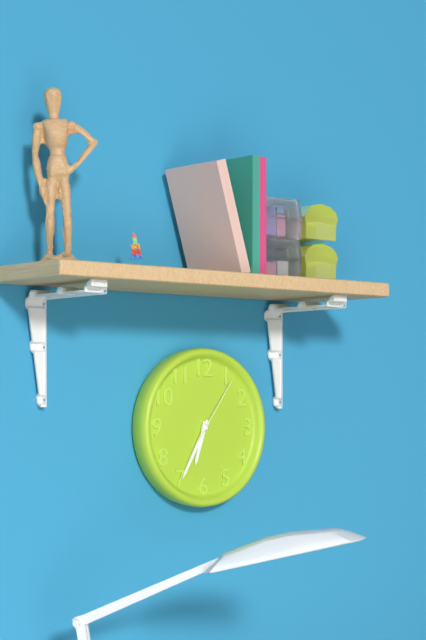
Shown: h=6 m=35 s=6
